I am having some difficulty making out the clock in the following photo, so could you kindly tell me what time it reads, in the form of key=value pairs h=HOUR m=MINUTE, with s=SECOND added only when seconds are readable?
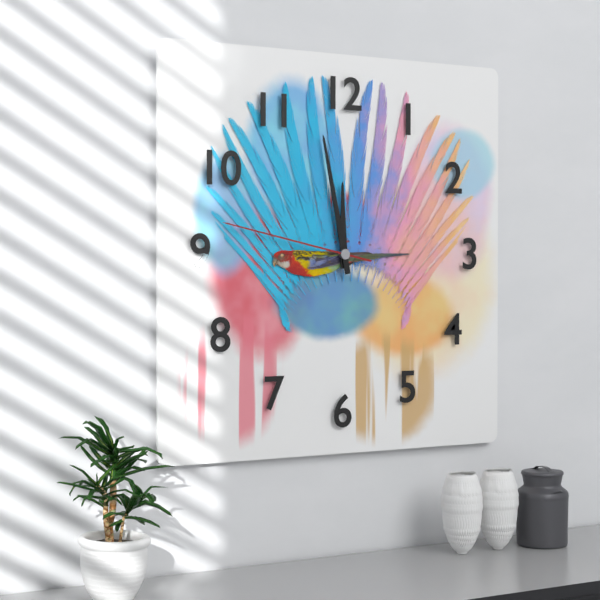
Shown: h=11 m=58 s=47
